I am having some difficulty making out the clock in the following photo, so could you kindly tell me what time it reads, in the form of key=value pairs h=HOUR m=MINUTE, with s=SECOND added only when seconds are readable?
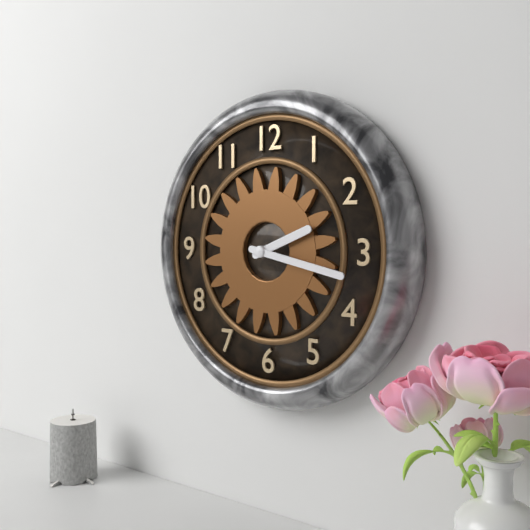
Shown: h=2 m=17
